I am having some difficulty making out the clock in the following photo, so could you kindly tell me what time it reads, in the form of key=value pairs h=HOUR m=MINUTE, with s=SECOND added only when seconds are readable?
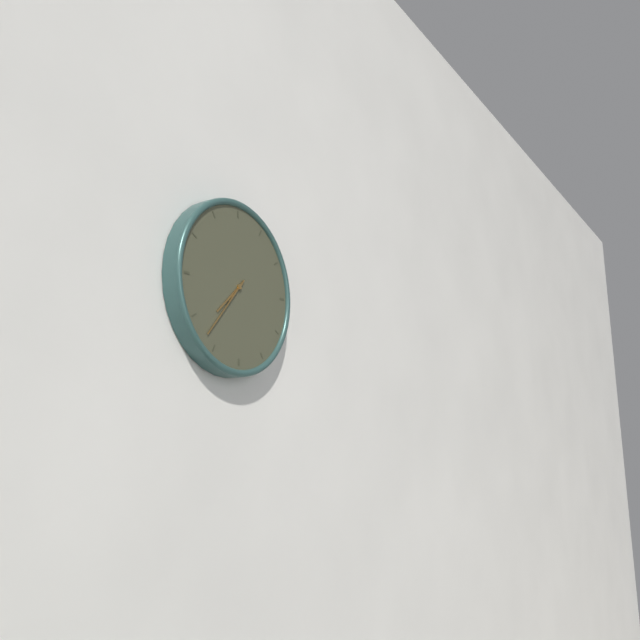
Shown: h=7 m=37
